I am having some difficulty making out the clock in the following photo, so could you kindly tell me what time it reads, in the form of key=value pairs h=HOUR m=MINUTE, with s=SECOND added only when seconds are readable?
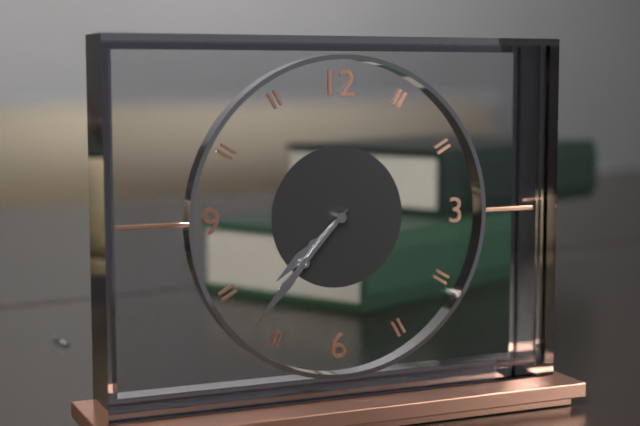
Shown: h=7 m=37
